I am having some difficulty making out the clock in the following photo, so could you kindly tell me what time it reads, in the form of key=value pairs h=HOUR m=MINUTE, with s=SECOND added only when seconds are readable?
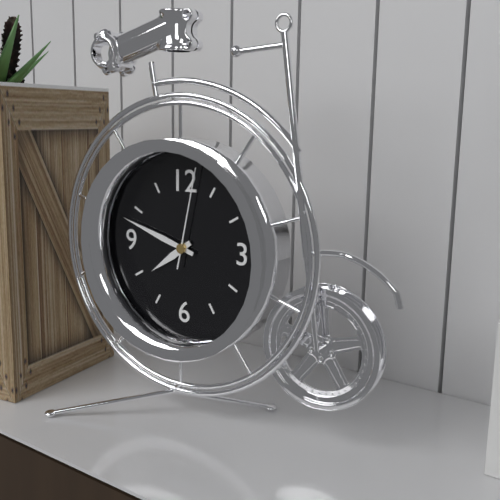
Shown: h=7 m=48 s=2
